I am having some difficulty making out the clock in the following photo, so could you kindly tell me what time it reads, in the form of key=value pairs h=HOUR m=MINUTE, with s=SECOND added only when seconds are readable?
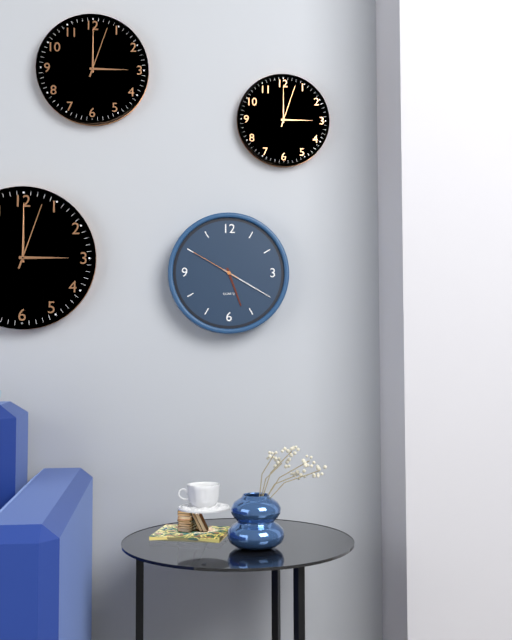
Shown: h=5 m=20 s=50
